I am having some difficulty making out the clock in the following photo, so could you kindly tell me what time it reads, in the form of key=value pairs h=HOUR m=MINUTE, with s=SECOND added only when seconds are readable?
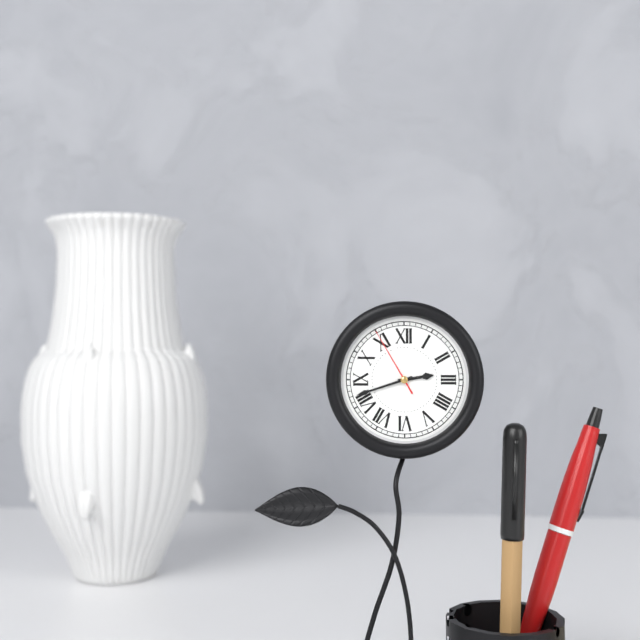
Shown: h=2 m=42 s=55
